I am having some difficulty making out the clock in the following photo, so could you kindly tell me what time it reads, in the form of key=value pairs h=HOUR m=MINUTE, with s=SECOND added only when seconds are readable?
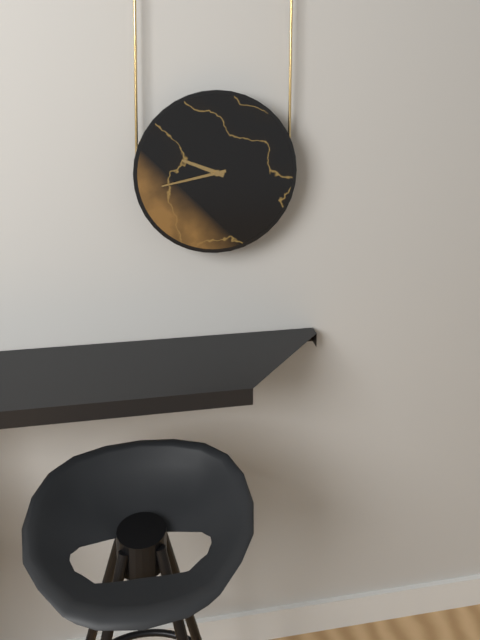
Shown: h=9 m=43
